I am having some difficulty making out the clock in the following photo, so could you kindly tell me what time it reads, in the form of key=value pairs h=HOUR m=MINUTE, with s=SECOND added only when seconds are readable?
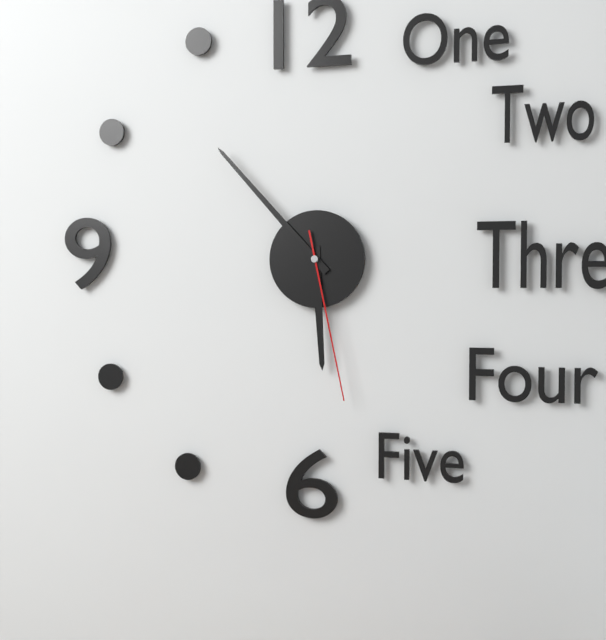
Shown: h=5 m=53 s=28
